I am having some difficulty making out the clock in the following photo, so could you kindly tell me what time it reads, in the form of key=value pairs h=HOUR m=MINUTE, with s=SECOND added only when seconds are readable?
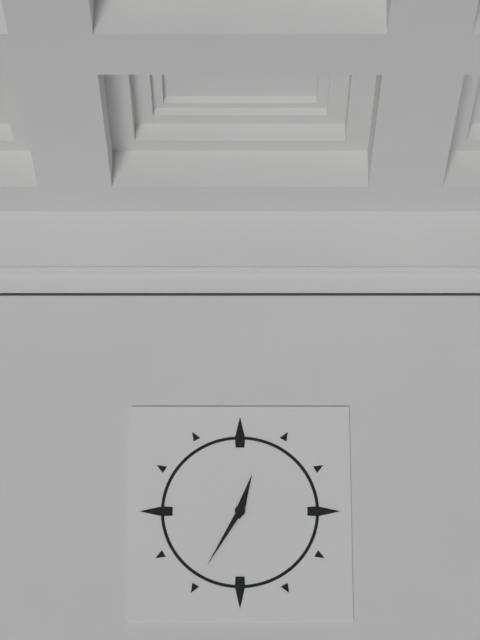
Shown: h=12 m=35
